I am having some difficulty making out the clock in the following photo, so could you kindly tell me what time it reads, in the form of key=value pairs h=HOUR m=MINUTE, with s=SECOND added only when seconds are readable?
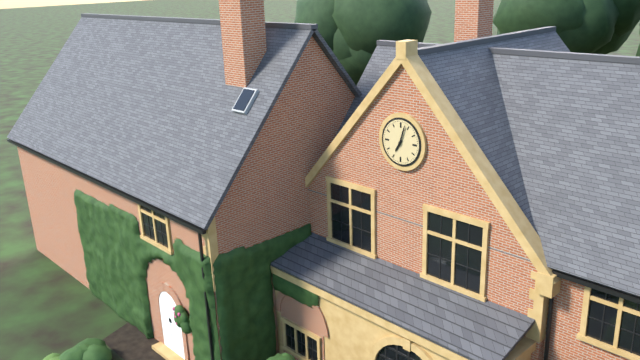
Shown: h=7 m=3
